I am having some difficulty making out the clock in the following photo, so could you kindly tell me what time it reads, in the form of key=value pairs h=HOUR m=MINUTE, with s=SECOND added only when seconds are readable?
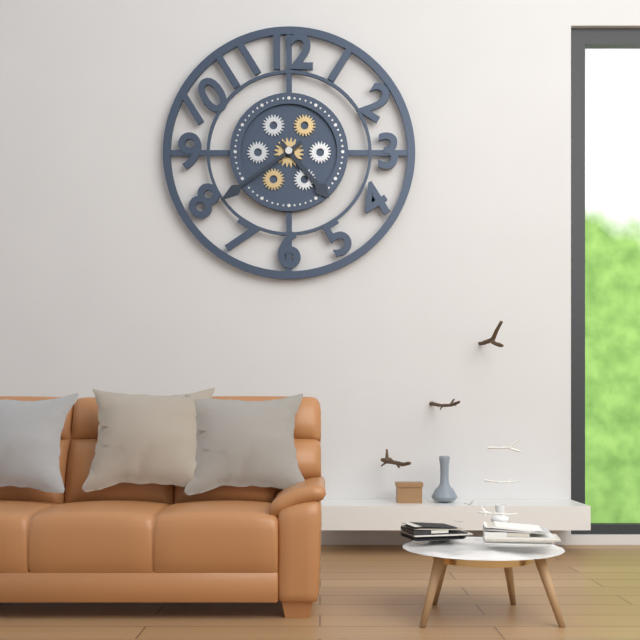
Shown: h=4 m=39
